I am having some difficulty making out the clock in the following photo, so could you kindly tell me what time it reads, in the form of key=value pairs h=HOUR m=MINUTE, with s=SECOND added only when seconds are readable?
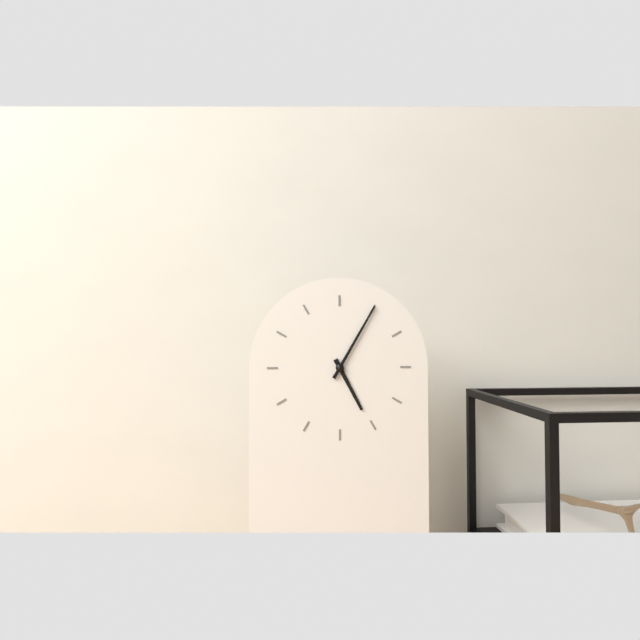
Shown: h=5 m=5
